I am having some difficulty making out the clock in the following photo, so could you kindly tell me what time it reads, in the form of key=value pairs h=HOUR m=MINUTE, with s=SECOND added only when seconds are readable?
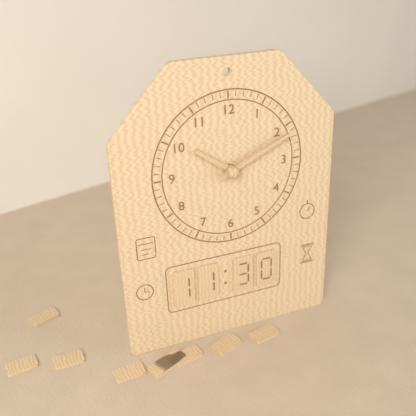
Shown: h=10 m=11
